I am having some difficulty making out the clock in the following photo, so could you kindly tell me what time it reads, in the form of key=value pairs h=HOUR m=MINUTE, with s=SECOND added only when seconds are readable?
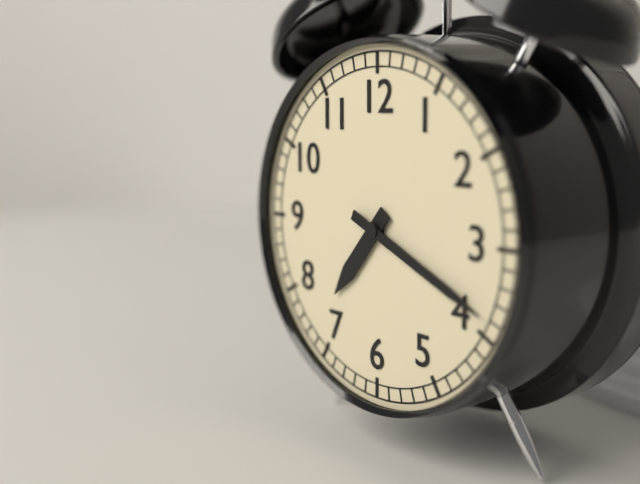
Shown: h=7 m=19
